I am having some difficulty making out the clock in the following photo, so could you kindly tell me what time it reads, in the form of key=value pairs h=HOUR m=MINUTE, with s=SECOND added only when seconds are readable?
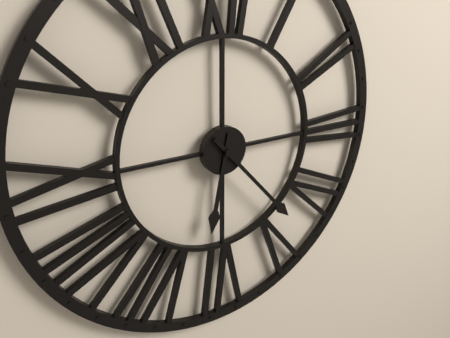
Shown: h=6 m=23
